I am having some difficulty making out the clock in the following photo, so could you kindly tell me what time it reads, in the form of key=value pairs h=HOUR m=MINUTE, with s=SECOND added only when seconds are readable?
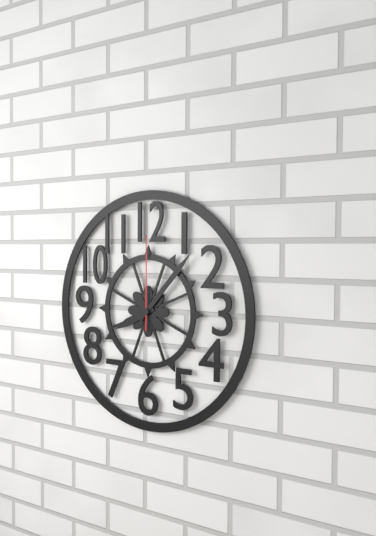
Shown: h=8 m=7 s=0
